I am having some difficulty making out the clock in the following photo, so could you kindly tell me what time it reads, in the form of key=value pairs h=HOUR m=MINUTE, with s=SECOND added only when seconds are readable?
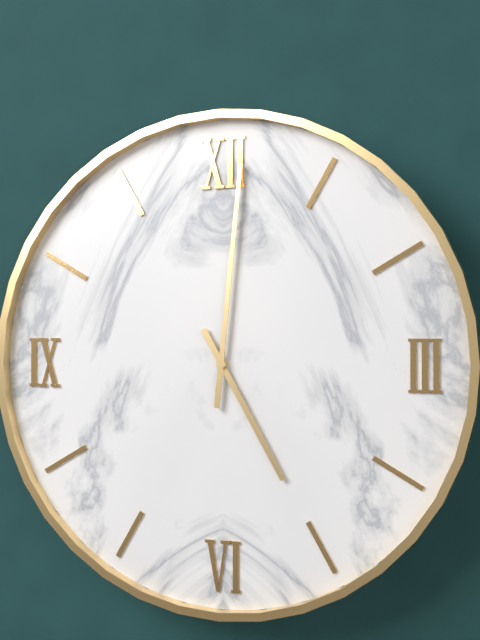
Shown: h=5 m=1
